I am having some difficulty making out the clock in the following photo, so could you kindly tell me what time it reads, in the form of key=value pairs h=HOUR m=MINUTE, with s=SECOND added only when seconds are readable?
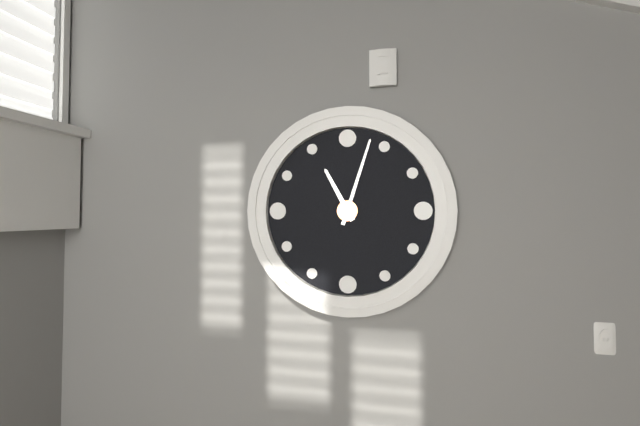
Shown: h=11 m=3
